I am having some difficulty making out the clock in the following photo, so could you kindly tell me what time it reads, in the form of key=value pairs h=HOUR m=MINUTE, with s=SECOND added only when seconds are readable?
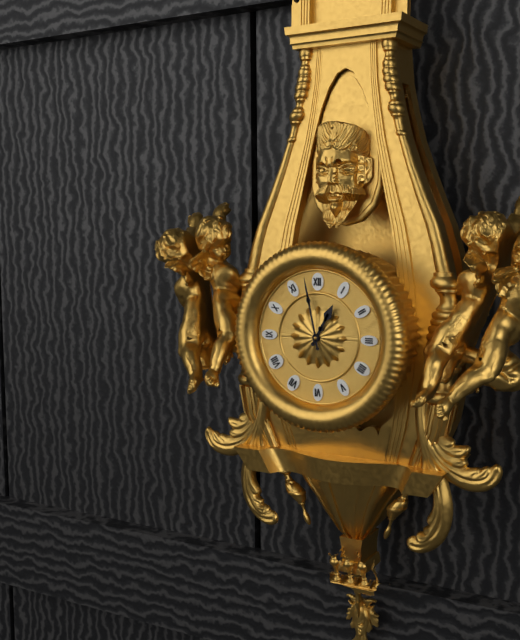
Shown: h=12 m=58
